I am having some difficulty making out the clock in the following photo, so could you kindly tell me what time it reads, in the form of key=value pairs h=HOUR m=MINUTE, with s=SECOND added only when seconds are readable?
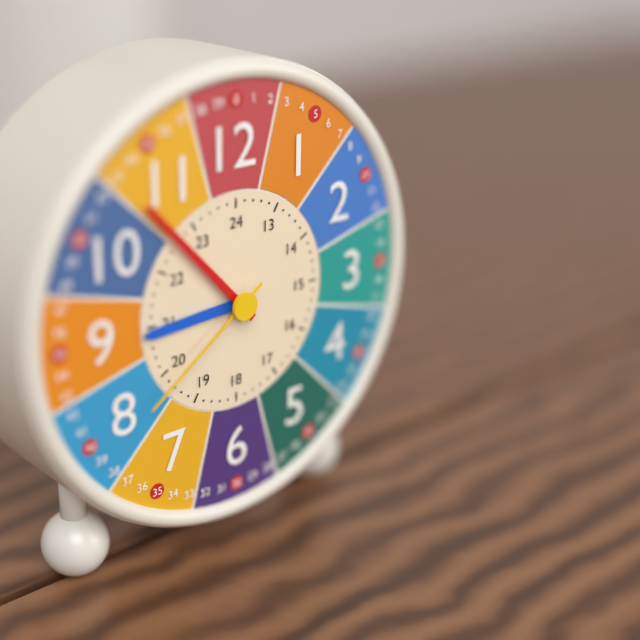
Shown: h=8 m=53 s=39
